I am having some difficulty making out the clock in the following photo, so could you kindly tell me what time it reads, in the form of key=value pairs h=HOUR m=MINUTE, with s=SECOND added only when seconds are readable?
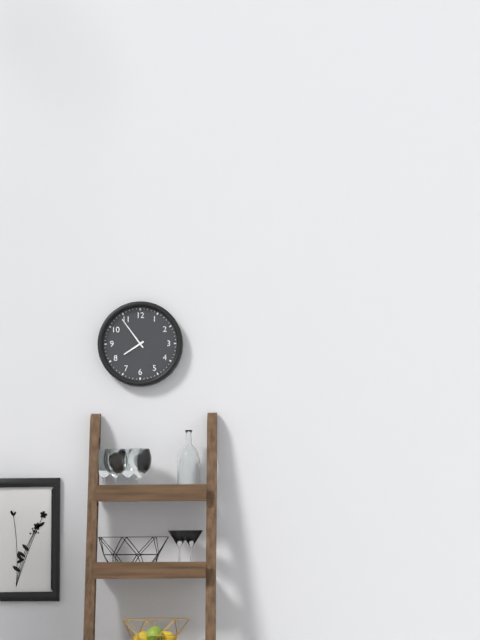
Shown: h=7 m=54
